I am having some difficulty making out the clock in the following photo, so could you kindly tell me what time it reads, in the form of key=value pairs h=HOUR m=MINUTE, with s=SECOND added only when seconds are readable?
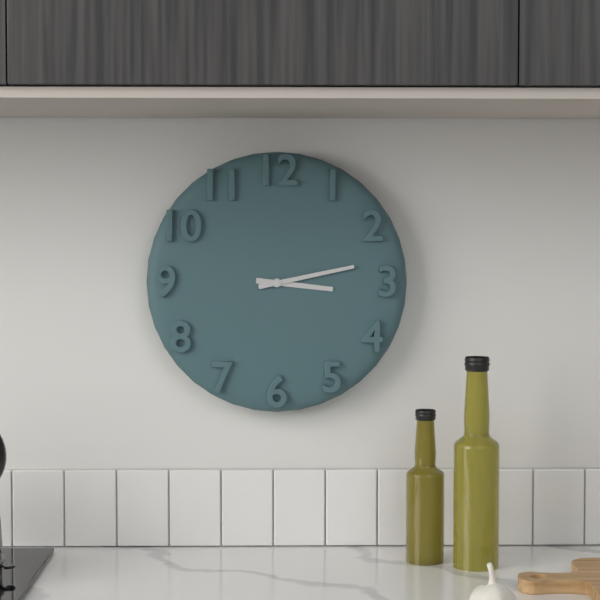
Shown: h=3 m=13
